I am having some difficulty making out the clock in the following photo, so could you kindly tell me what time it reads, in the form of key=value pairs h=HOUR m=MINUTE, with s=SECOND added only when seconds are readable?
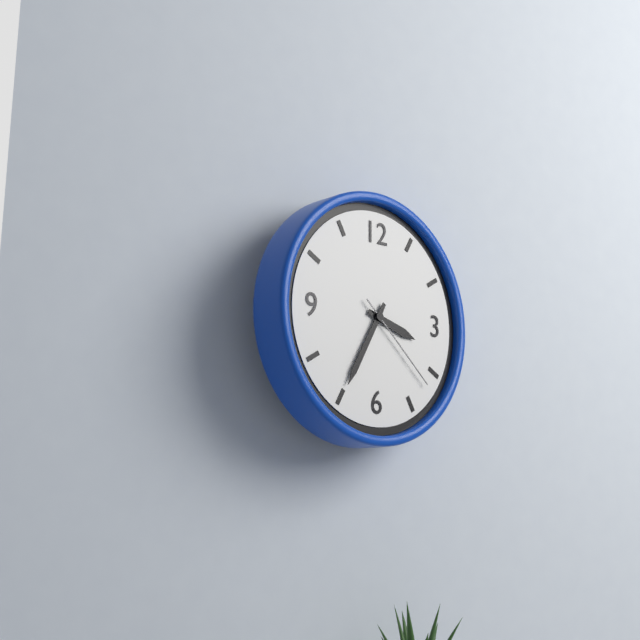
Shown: h=3 m=35 s=22
